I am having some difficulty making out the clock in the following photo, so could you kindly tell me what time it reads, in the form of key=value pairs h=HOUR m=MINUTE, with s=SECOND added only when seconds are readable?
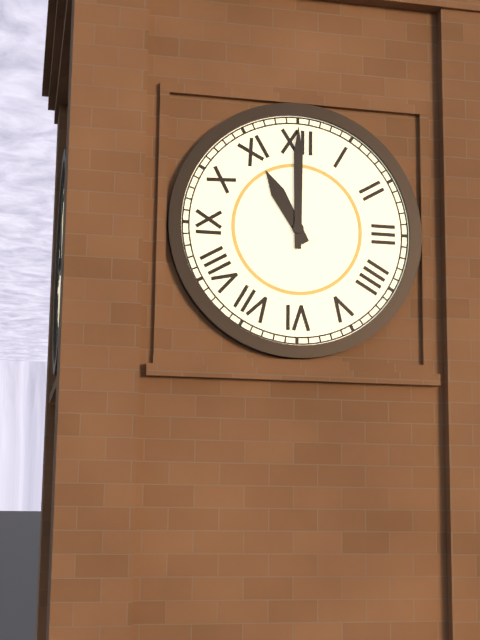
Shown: h=11 m=0
